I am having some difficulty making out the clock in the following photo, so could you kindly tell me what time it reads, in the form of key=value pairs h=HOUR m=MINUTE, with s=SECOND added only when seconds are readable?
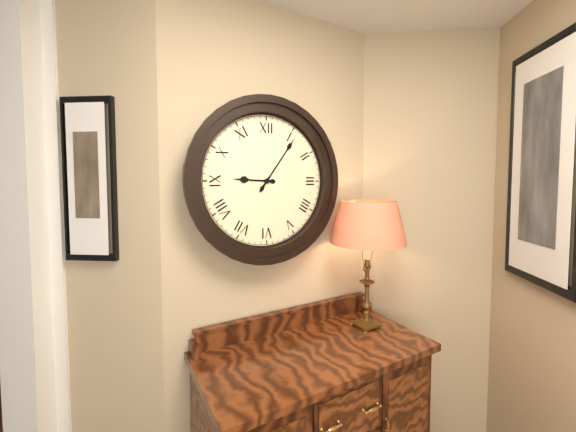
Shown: h=9 m=6
